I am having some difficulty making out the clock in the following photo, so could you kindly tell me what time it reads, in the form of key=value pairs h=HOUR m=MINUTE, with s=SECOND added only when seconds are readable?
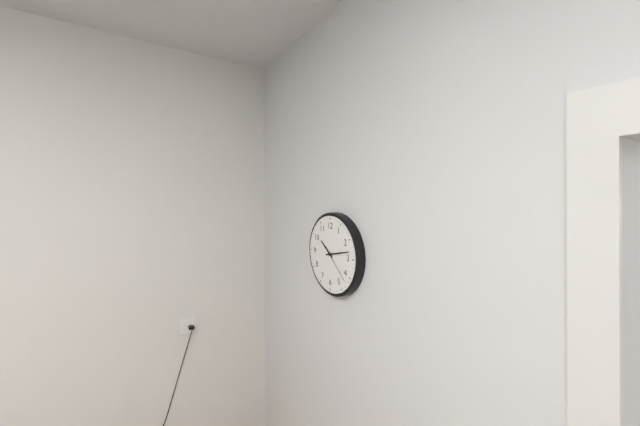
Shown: h=10 m=13
